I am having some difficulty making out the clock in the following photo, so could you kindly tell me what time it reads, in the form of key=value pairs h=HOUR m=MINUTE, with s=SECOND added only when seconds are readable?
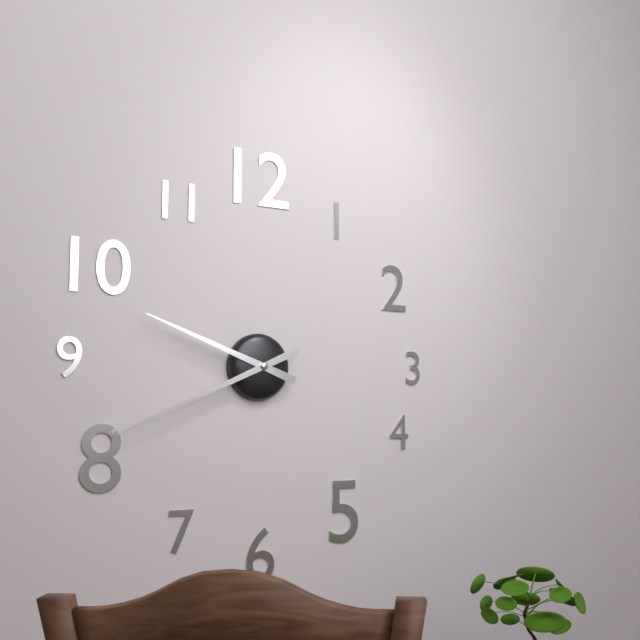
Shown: h=9 m=41
